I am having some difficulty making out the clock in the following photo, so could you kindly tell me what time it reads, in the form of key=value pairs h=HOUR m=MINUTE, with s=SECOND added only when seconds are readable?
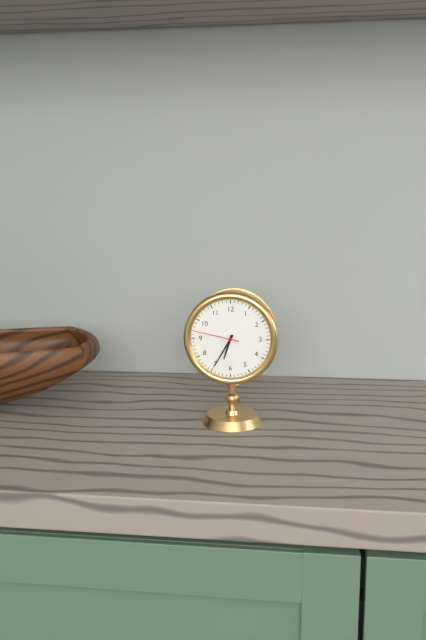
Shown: h=6 m=35
